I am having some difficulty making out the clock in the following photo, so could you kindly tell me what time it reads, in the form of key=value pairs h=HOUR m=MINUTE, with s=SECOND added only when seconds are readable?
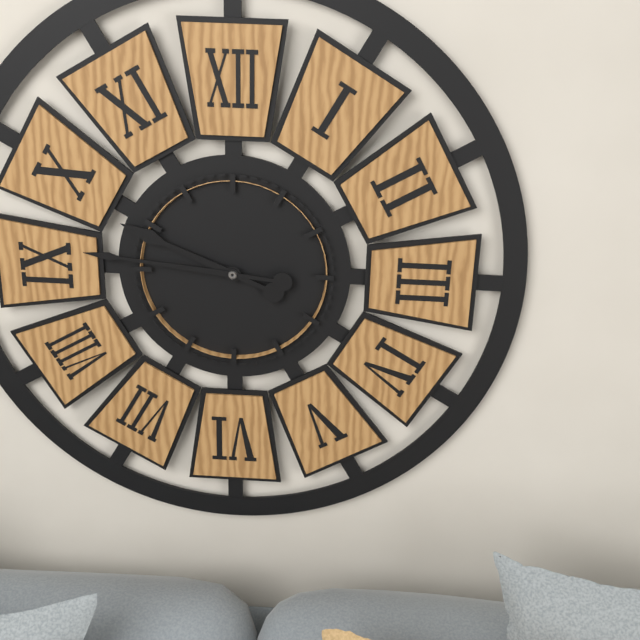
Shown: h=9 m=46
